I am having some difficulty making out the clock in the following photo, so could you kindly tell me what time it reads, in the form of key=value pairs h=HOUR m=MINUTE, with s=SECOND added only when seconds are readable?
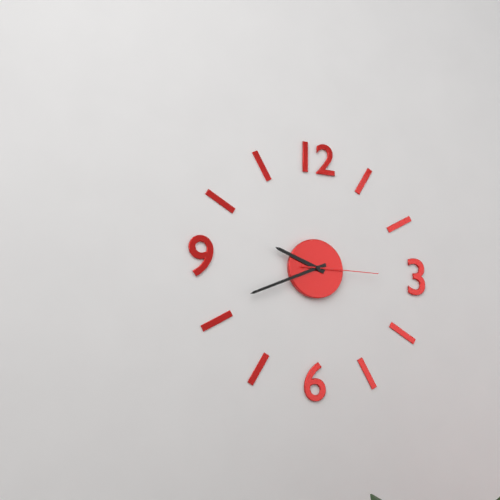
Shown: h=9 m=41 s=15
